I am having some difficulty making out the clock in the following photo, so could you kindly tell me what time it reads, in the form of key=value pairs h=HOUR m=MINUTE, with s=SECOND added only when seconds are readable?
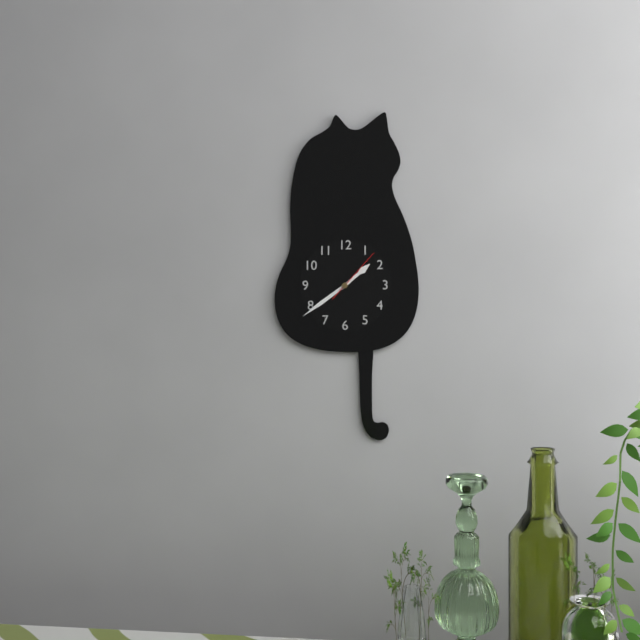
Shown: h=1 m=39 s=7
